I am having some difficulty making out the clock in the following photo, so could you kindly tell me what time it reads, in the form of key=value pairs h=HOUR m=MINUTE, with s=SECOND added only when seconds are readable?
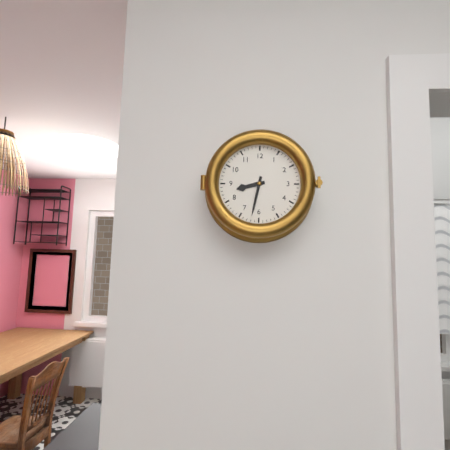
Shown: h=8 m=32
